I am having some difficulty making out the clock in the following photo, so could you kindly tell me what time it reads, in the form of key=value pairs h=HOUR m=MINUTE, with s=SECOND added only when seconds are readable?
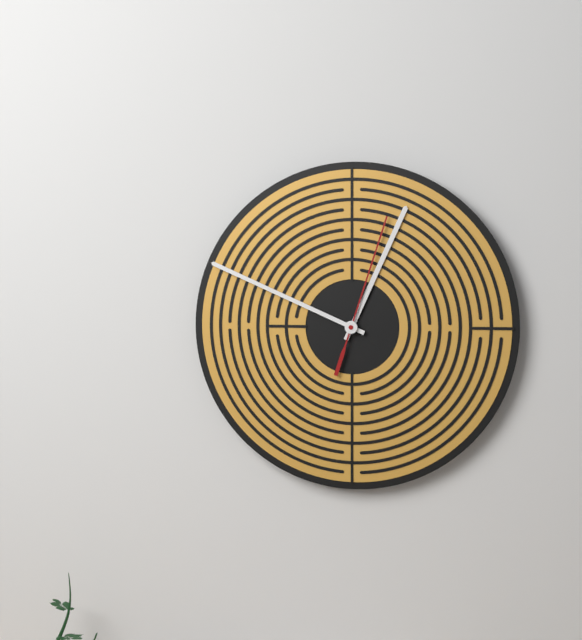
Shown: h=12 m=49 s=3
